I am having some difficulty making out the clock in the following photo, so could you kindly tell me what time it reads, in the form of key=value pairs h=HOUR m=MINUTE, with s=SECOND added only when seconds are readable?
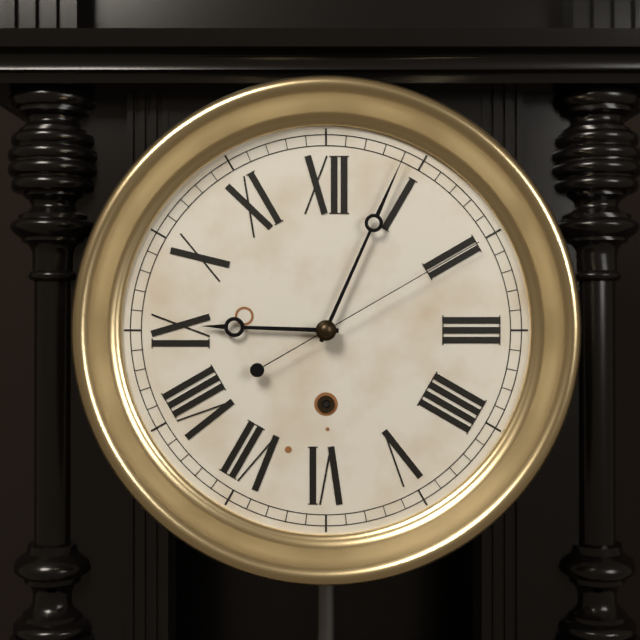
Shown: h=9 m=4 s=10
